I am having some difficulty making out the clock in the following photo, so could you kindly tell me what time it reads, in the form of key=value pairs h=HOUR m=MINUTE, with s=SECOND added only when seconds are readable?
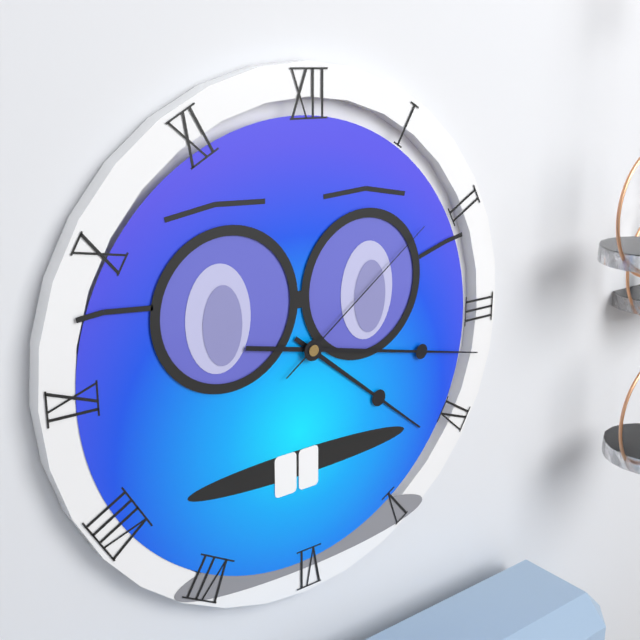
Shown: h=4 m=17 s=9
